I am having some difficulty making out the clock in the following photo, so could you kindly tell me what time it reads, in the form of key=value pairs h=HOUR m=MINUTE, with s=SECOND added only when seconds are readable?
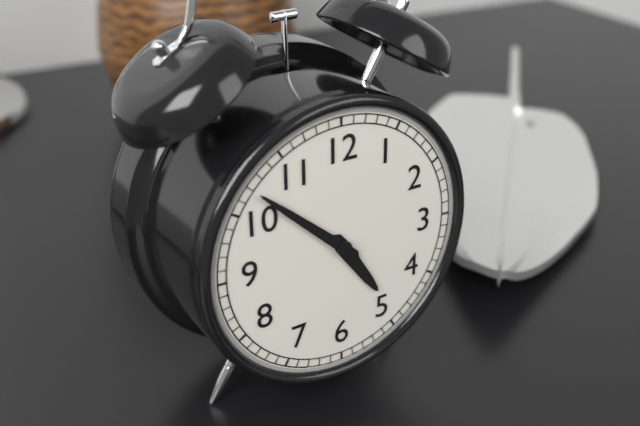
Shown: h=4 m=52
